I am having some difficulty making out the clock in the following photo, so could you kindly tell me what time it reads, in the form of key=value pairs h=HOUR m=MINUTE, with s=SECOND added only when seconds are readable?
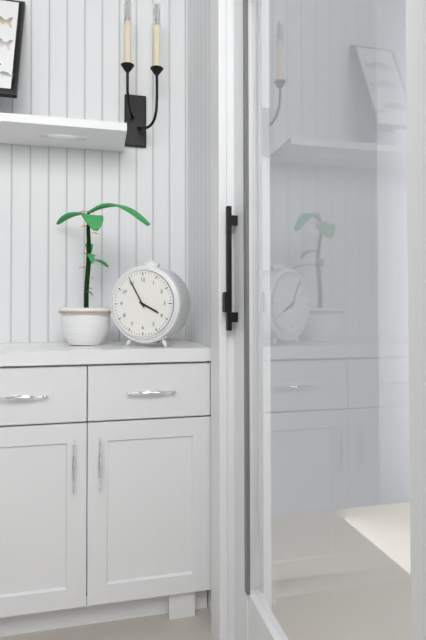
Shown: h=3 m=55
